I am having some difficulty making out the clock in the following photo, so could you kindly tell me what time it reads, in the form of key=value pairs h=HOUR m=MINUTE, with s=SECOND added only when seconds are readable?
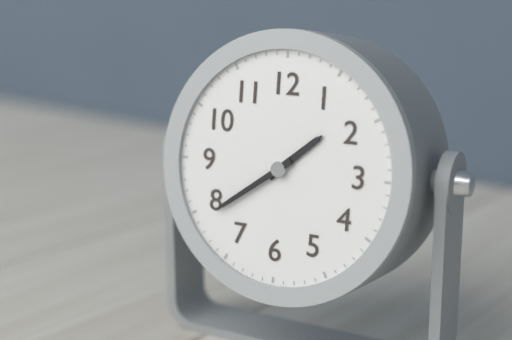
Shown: h=1 m=39
